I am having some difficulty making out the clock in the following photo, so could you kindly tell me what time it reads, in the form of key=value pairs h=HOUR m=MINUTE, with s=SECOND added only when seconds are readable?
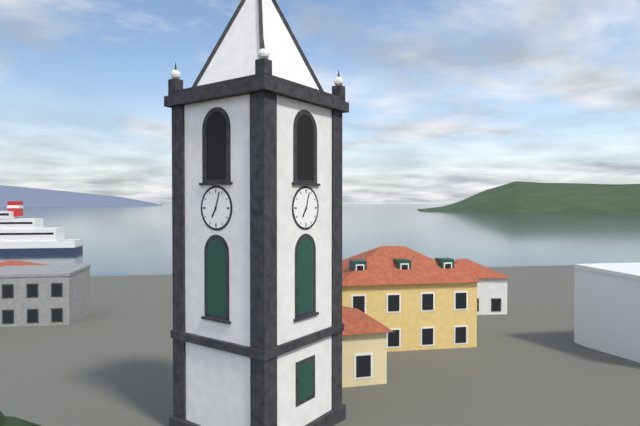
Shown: h=7 m=3
